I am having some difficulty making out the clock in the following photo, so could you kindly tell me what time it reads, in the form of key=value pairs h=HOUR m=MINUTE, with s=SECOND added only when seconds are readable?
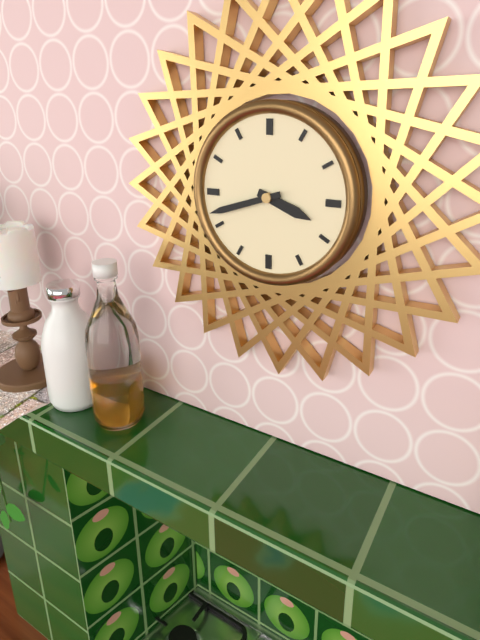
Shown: h=3 m=42
